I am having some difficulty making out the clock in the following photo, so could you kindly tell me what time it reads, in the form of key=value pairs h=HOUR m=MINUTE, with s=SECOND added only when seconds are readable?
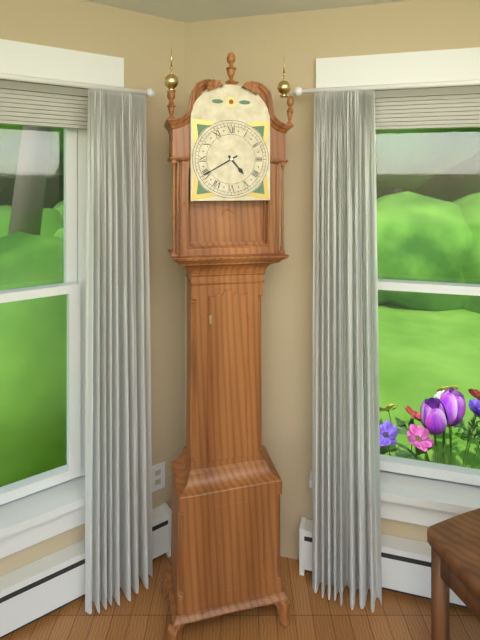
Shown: h=4 m=40
